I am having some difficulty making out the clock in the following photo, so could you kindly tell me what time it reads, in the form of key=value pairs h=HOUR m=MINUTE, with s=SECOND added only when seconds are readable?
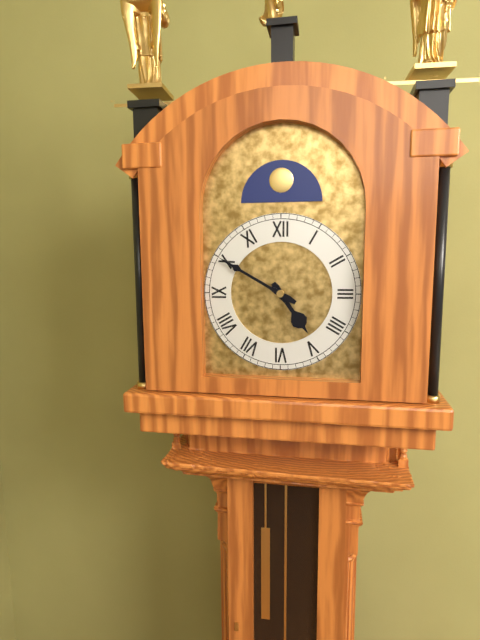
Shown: h=4 m=50
